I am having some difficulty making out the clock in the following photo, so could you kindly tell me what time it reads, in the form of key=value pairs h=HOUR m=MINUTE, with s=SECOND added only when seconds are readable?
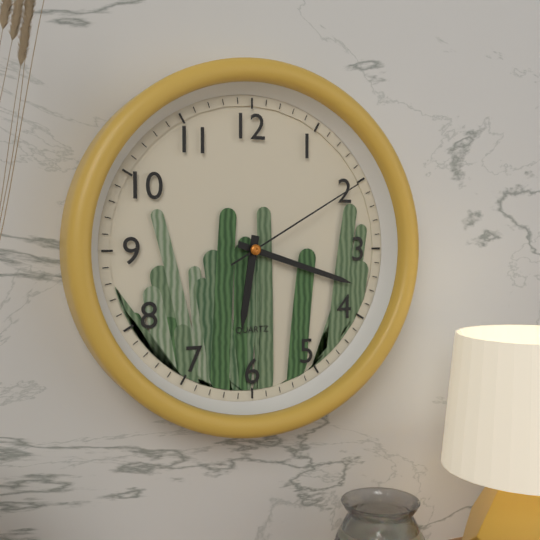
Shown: h=6 m=18 s=10
